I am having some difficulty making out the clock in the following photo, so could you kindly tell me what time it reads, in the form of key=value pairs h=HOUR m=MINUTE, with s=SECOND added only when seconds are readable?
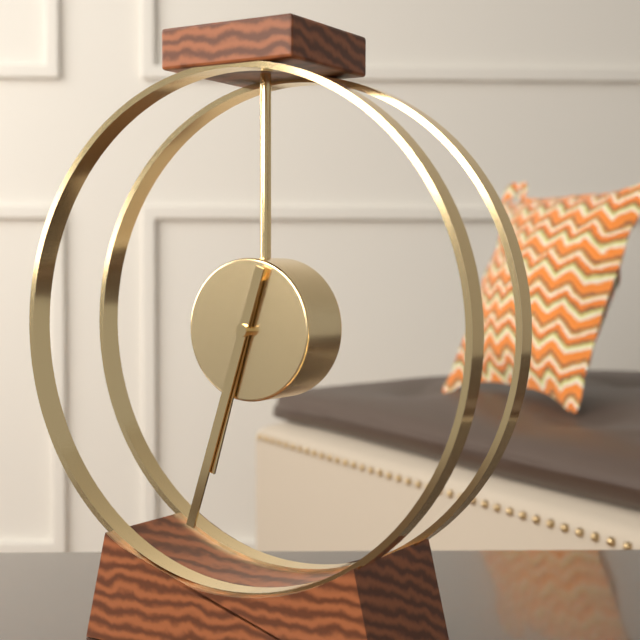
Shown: h=6 m=33
